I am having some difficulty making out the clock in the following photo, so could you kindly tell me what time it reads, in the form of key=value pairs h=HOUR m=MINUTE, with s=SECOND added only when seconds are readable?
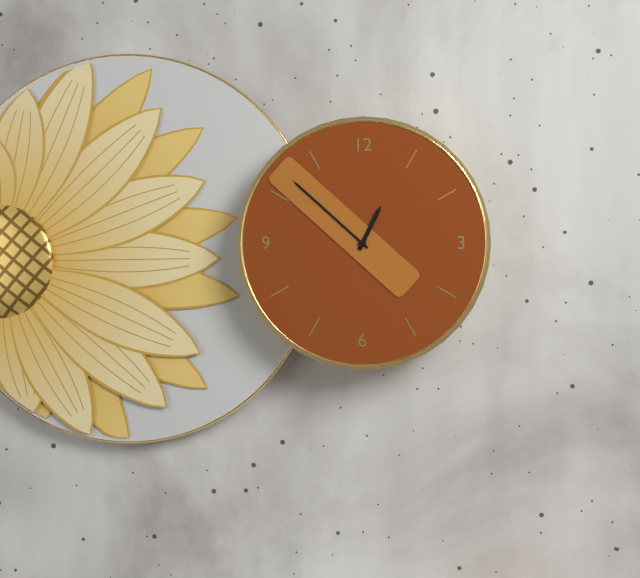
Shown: h=12 m=52
